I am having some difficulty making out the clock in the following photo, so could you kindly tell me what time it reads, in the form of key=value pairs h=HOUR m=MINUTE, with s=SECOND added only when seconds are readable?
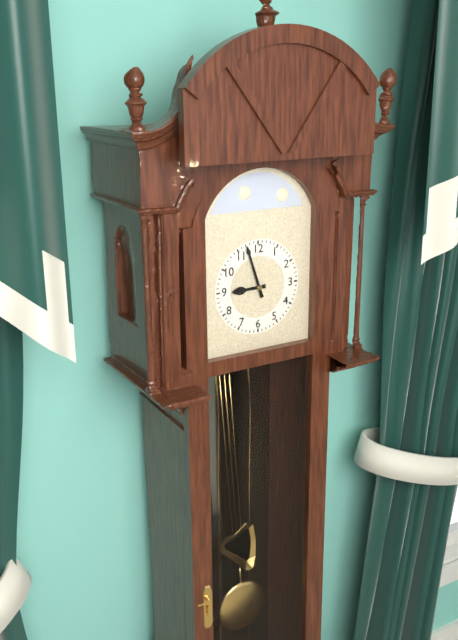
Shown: h=8 m=57
